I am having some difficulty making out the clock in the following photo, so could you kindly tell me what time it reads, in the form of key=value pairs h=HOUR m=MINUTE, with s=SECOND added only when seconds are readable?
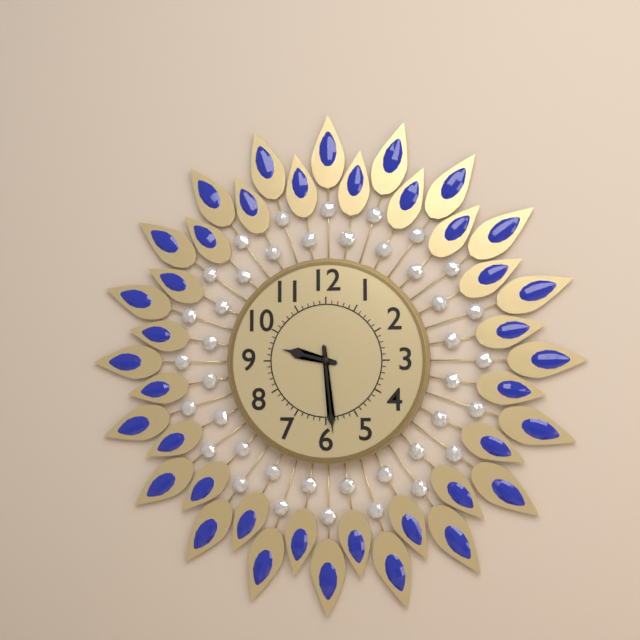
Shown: h=9 m=29
